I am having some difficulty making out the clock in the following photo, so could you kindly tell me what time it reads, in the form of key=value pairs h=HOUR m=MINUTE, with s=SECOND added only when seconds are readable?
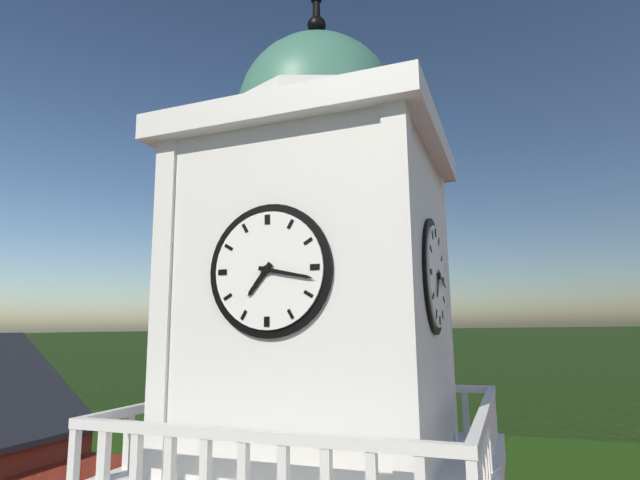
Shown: h=7 m=17
